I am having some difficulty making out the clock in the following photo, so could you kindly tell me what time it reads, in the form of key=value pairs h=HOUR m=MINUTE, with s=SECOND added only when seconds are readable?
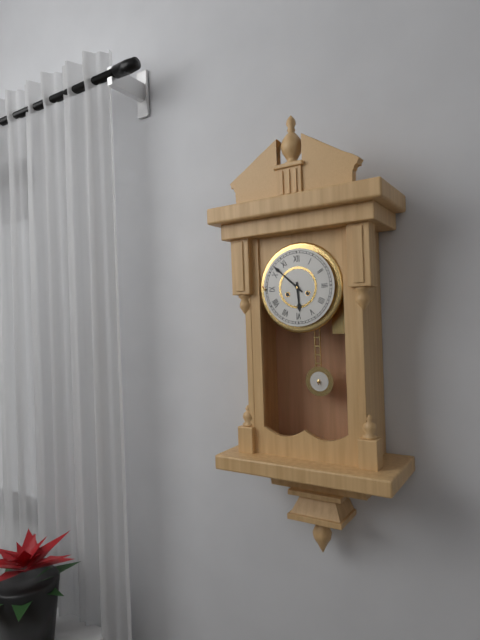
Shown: h=5 m=52
